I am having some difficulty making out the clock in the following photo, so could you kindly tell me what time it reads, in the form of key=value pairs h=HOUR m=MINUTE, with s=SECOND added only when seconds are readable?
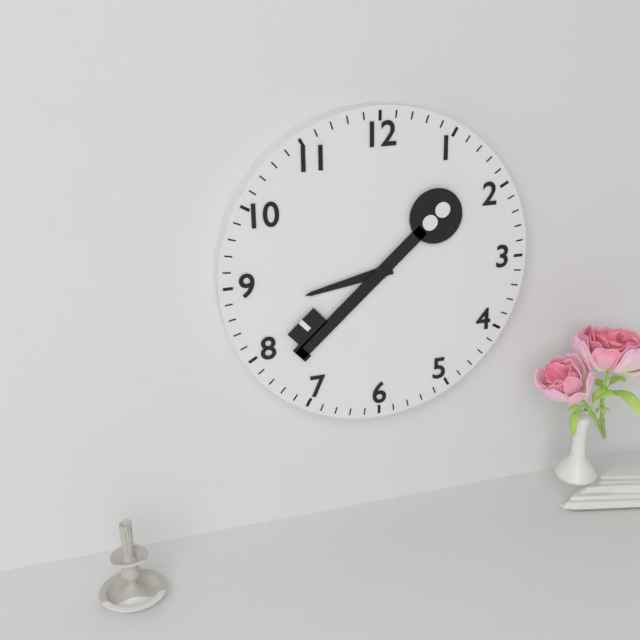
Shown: h=8 m=38
